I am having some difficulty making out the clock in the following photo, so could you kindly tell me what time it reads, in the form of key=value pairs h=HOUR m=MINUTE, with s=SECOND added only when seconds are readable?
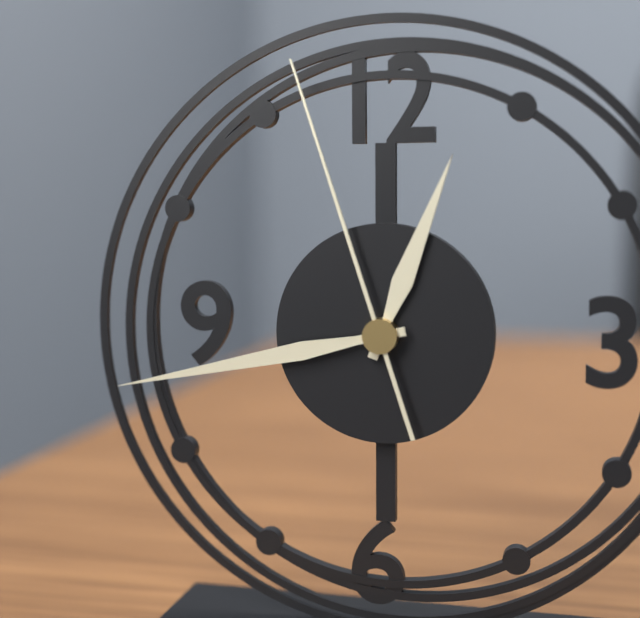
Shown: h=12 m=43 s=57
